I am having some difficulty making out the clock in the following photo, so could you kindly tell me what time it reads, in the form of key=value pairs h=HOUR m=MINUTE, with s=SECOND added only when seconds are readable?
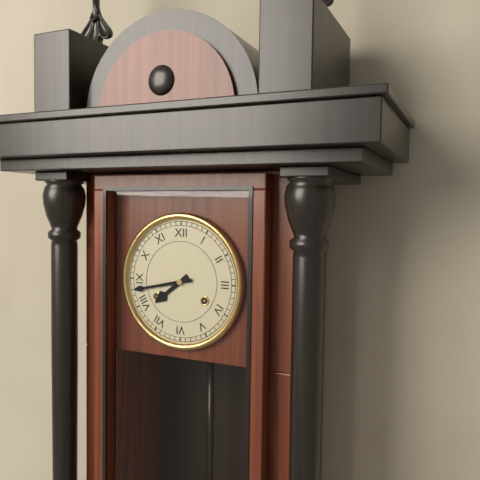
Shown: h=7 m=43
